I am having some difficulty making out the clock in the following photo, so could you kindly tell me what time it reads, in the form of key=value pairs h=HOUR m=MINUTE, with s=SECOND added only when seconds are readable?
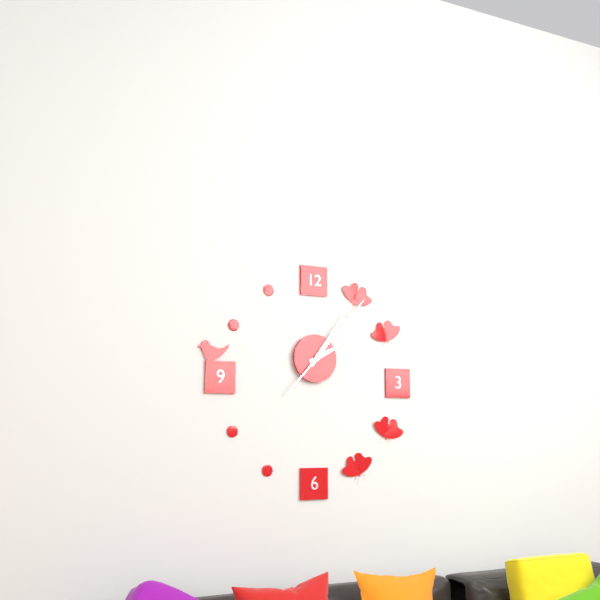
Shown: h=2 m=6 s=7
